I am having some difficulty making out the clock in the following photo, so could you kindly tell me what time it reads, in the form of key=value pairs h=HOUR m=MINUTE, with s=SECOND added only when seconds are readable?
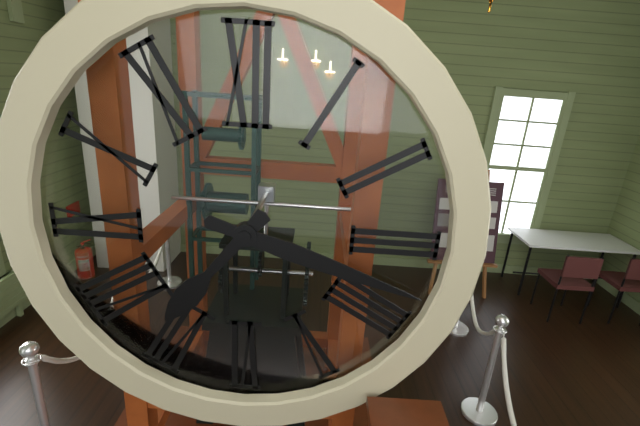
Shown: h=7 m=18
